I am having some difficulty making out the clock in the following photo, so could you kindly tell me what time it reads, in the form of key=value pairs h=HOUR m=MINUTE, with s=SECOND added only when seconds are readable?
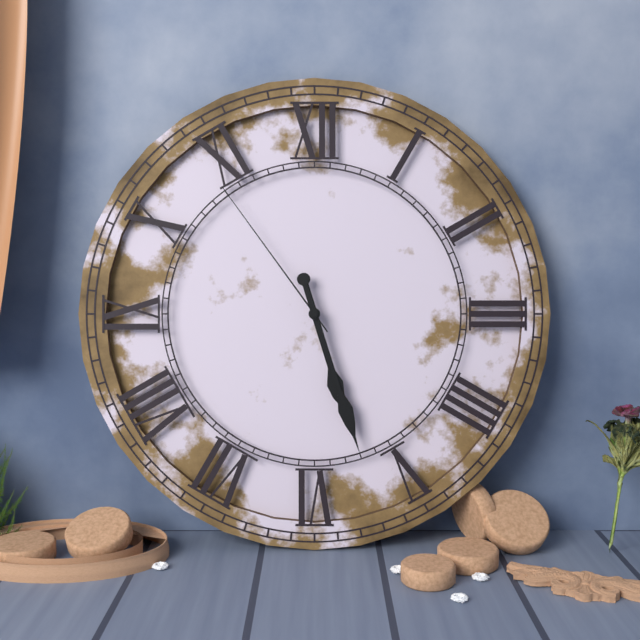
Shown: h=5 m=27 s=54
